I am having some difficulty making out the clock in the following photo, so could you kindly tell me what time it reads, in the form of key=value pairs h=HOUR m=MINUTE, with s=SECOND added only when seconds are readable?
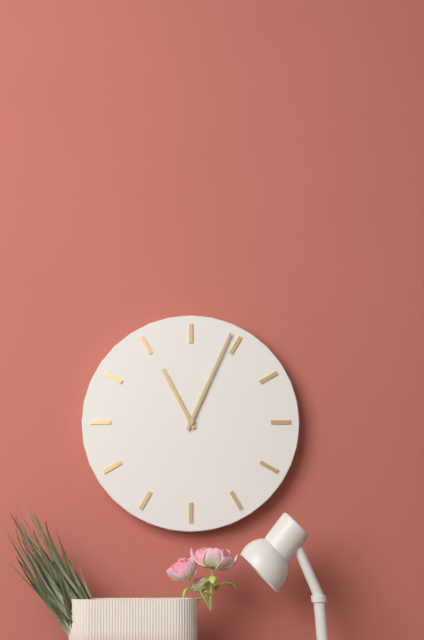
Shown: h=11 m=4
